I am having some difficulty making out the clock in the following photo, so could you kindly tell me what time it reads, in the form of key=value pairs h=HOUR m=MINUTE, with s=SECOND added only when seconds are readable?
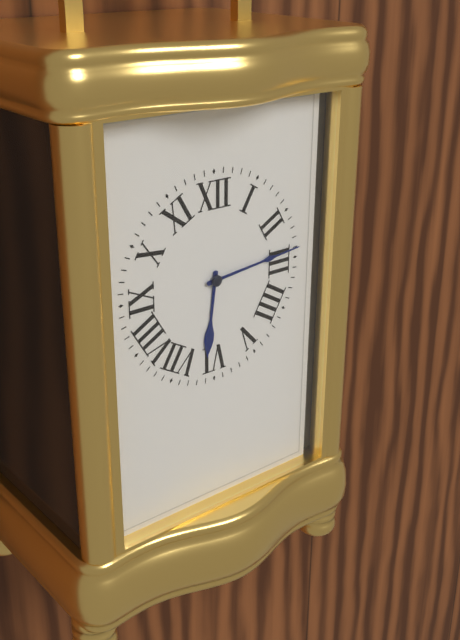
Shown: h=6 m=14
